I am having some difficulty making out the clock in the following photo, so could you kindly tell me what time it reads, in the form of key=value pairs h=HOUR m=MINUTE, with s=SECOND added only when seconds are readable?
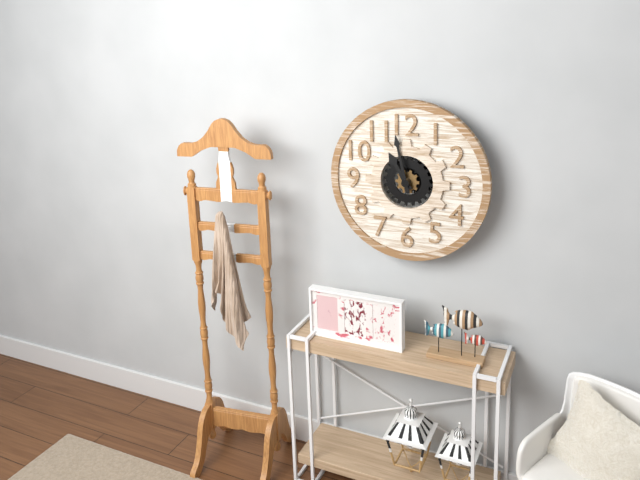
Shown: h=10 m=58
